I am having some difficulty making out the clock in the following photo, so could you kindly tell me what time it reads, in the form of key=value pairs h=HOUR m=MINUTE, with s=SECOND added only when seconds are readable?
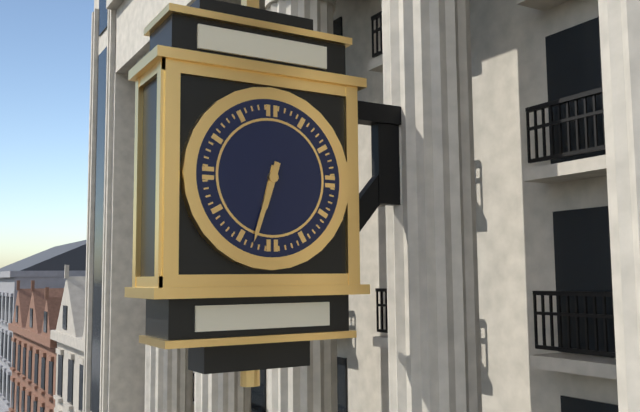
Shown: h=6 m=33
